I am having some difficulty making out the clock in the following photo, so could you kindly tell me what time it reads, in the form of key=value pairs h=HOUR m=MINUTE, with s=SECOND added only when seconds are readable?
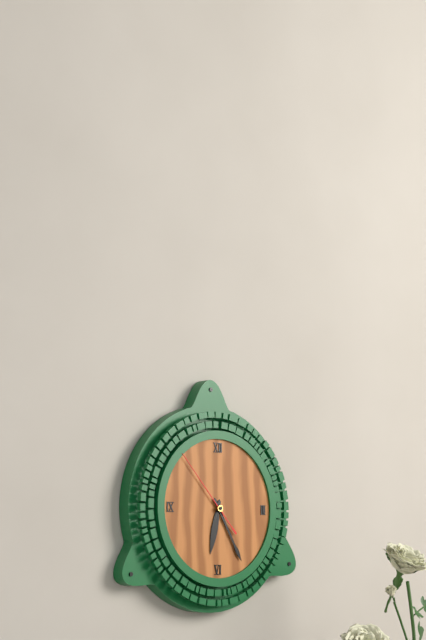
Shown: h=6 m=25 s=53
